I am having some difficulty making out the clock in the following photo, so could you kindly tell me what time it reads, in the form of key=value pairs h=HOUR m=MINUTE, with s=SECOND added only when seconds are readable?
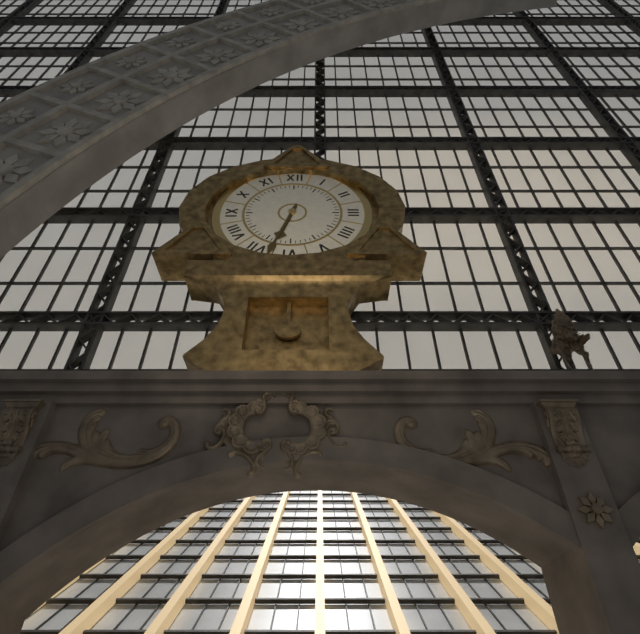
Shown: h=6 m=33
